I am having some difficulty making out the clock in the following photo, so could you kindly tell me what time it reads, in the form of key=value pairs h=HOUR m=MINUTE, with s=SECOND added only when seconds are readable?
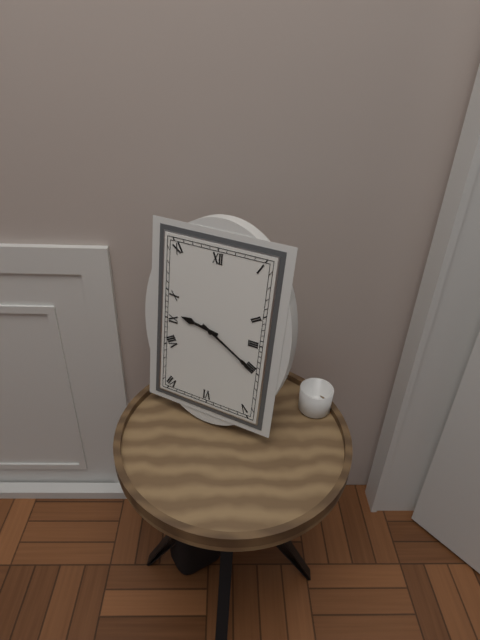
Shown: h=9 m=20
